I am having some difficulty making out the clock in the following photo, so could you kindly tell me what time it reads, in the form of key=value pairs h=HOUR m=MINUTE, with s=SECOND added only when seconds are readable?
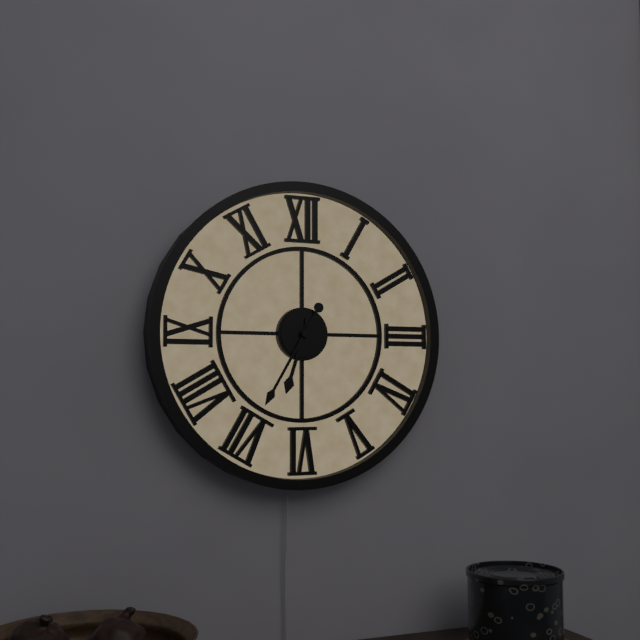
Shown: h=6 m=35
